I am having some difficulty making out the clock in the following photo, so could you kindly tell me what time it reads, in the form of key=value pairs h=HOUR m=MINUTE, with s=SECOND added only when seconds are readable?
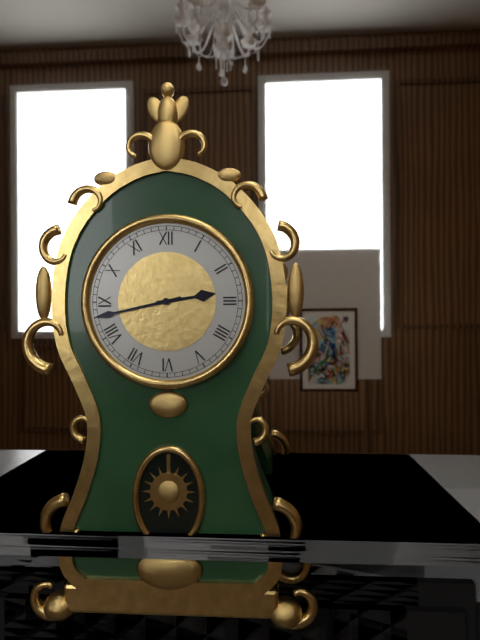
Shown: h=2 m=43
